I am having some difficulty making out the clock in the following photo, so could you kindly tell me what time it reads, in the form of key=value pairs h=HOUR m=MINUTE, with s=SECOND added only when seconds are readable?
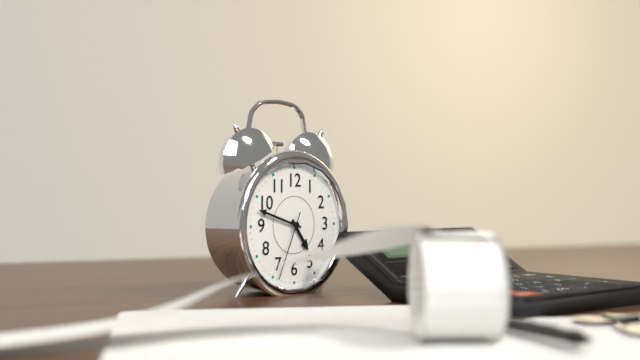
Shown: h=4 m=48 s=34
